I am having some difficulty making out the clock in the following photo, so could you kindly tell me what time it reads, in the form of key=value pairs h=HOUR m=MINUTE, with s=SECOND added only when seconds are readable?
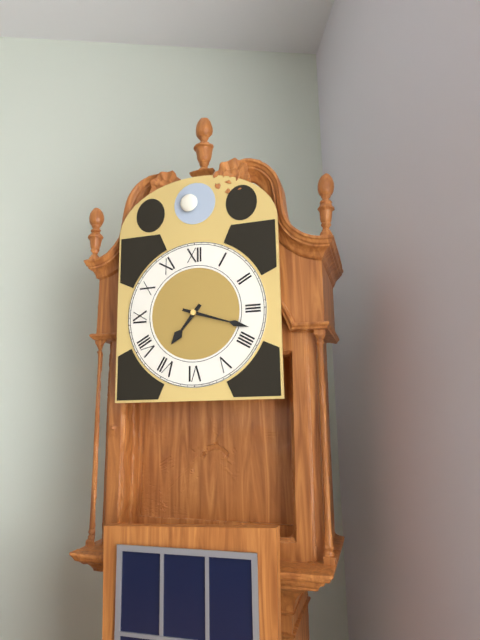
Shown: h=7 m=18
